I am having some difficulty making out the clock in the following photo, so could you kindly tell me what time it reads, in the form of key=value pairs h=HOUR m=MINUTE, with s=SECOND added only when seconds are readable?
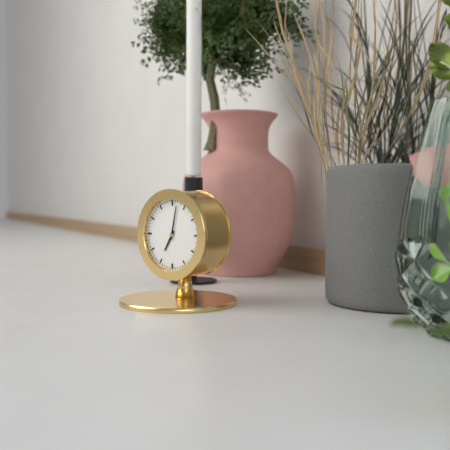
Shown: h=7 m=2
